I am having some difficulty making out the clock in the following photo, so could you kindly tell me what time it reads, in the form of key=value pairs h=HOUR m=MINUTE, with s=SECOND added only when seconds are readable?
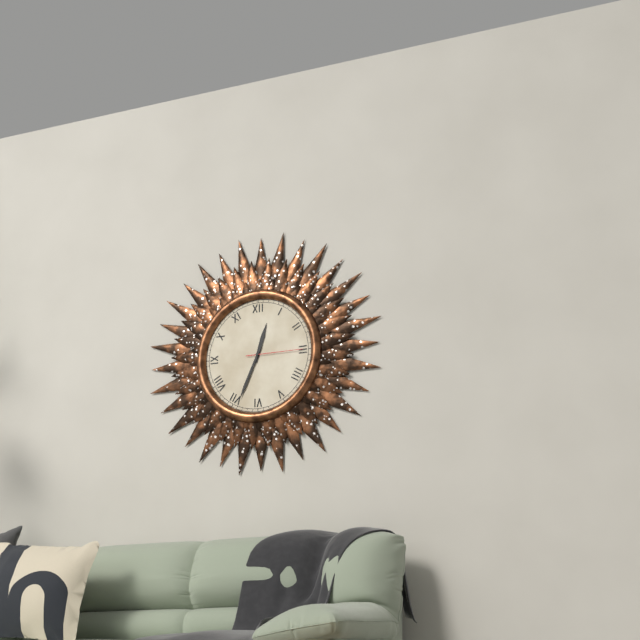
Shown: h=12 m=34 s=15
